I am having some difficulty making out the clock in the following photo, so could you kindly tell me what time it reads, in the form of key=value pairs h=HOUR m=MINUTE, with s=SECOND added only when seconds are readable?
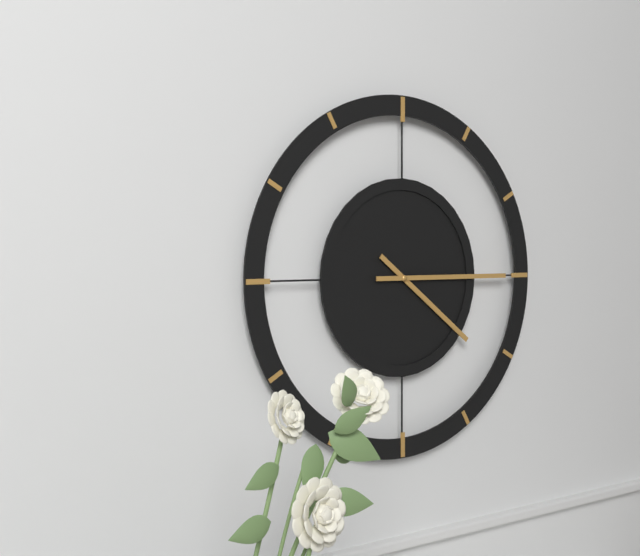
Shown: h=4 m=15
